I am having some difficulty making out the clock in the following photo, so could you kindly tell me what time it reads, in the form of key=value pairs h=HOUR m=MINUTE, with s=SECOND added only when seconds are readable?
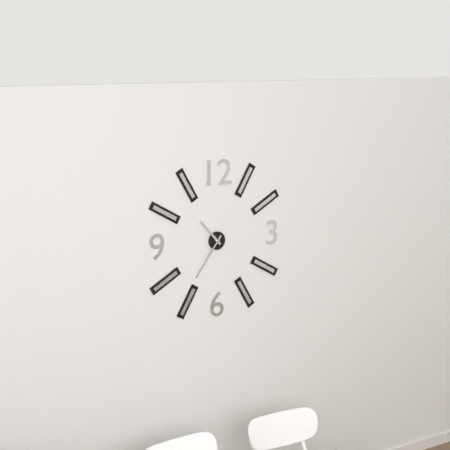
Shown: h=10 m=36
